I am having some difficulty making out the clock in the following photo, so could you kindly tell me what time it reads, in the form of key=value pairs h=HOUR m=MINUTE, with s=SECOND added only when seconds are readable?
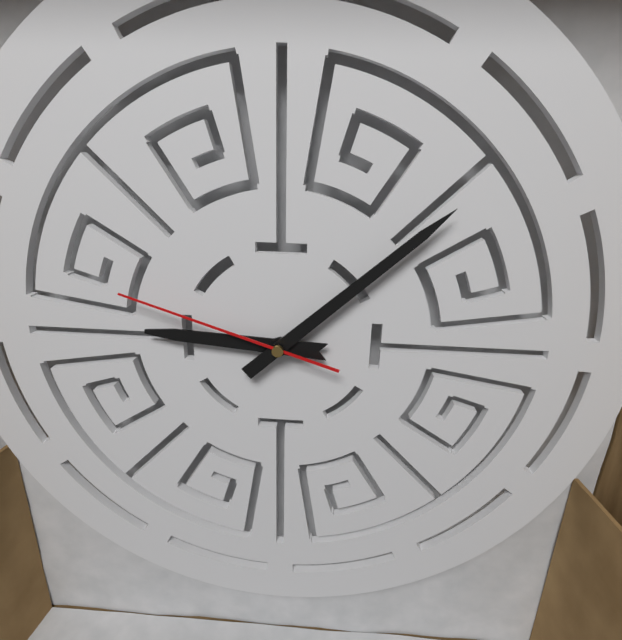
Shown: h=9 m=8 s=48
